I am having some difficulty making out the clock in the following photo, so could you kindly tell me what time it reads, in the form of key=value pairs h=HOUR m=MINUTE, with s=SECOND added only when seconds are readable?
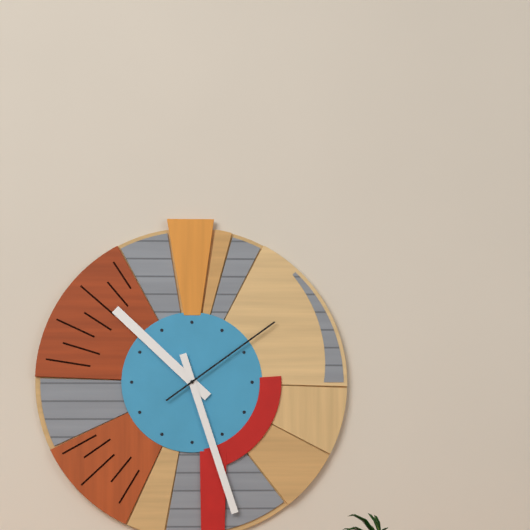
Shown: h=10 m=27 s=9
